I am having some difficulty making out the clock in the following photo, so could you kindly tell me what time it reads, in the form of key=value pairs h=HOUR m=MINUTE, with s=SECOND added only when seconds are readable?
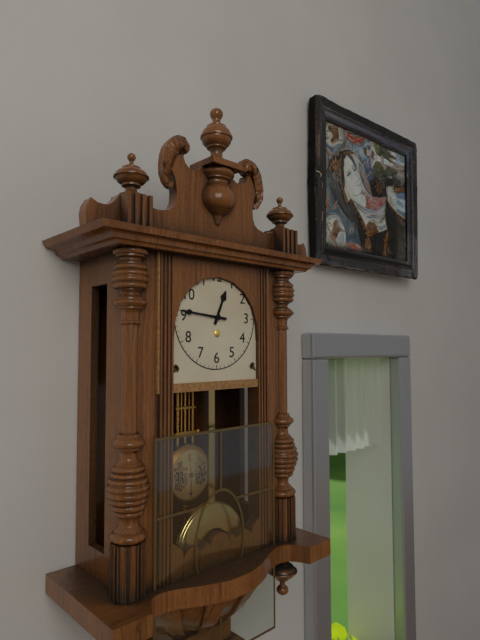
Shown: h=12 m=46
